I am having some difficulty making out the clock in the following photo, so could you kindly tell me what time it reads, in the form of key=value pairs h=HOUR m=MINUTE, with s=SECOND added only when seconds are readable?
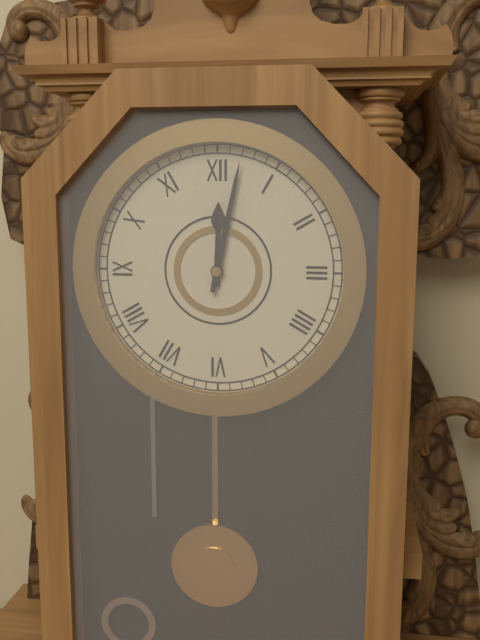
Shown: h=12 m=2
